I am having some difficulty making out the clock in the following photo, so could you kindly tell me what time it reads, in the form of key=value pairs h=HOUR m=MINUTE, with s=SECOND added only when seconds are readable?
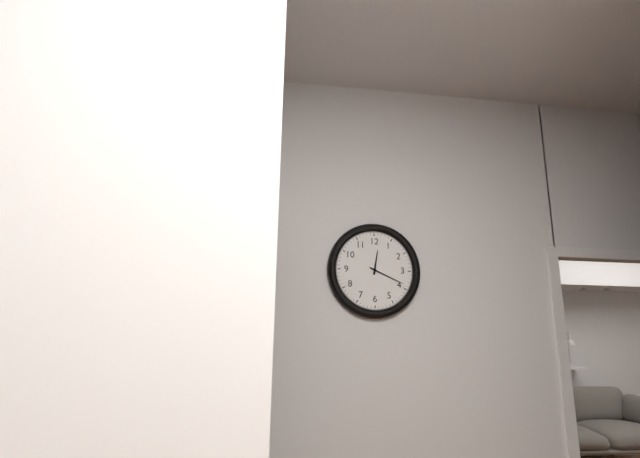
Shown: h=12 m=19
